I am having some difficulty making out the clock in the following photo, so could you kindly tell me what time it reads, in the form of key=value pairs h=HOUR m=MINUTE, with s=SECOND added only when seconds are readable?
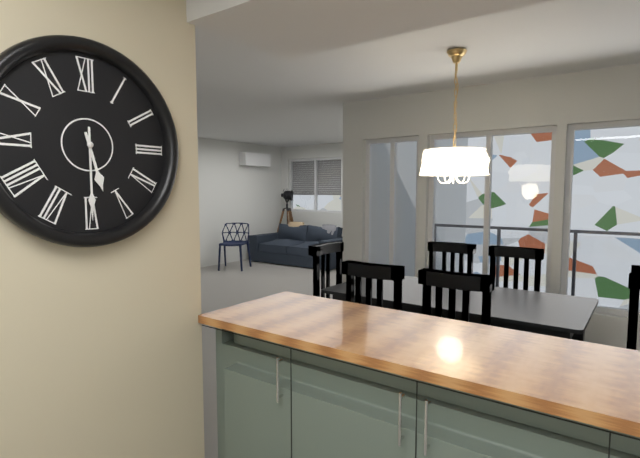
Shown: h=5 m=30
